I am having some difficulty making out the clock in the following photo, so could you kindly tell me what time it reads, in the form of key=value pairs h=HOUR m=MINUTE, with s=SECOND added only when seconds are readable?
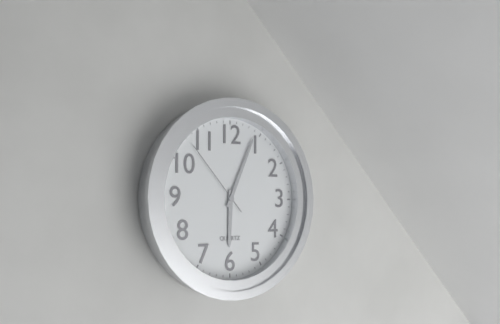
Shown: h=6 m=4 s=53
